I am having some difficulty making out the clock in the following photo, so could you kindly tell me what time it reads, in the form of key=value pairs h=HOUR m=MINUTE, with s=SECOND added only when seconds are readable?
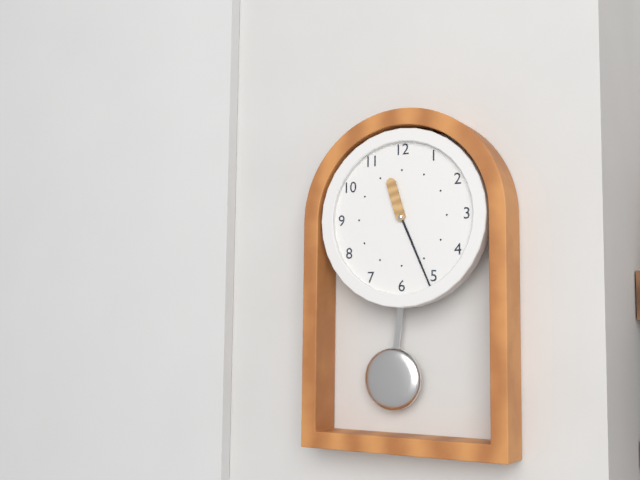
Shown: h=11 m=26
